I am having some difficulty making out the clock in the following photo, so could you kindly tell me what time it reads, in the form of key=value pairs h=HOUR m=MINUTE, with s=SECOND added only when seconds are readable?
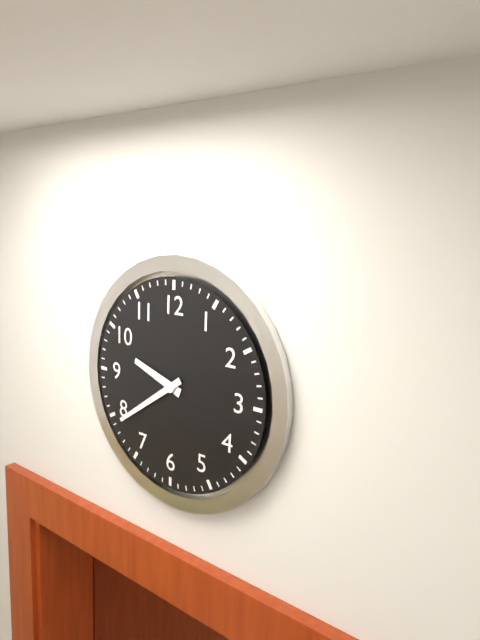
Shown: h=9 m=39
